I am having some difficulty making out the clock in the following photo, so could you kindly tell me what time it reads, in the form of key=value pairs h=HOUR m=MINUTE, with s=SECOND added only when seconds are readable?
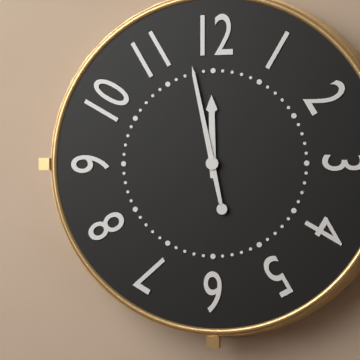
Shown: h=11 m=58
